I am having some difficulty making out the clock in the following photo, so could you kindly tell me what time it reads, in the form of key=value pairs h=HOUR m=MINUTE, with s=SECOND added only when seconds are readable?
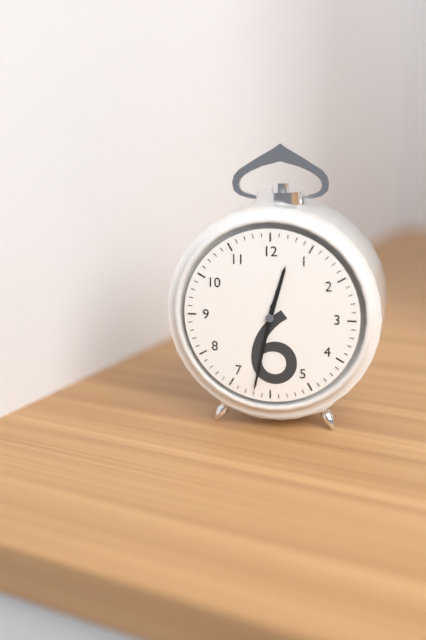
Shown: h=12 m=32
